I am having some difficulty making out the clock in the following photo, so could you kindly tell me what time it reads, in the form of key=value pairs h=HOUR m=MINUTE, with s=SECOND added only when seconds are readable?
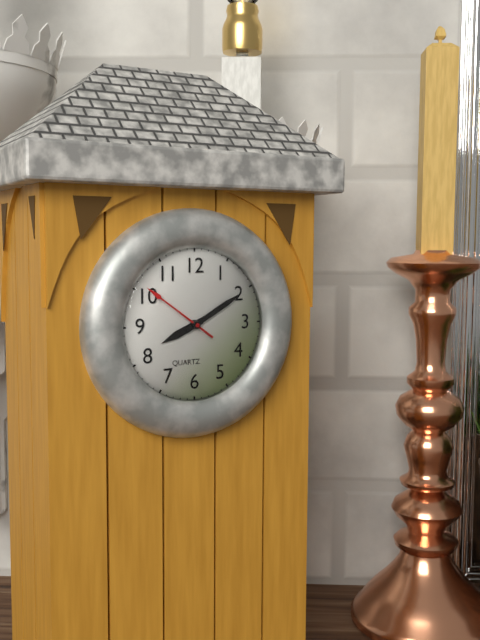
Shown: h=8 m=10 s=51
